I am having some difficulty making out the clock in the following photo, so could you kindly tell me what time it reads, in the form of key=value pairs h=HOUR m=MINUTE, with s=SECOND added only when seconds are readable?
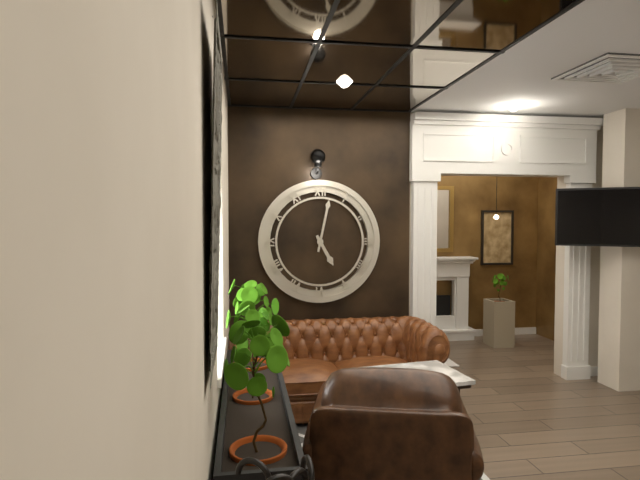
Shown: h=5 m=2
